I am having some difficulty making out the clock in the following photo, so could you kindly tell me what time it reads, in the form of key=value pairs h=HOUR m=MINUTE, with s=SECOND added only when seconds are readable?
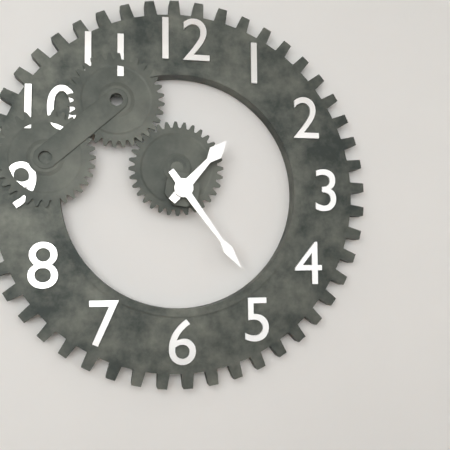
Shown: h=1 m=24
